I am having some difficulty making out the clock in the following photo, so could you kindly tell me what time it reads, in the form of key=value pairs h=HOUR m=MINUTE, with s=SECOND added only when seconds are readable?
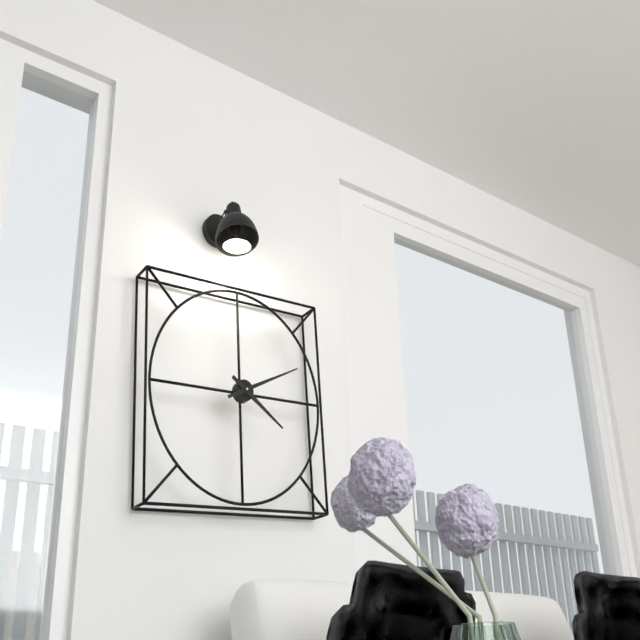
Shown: h=4 m=11
